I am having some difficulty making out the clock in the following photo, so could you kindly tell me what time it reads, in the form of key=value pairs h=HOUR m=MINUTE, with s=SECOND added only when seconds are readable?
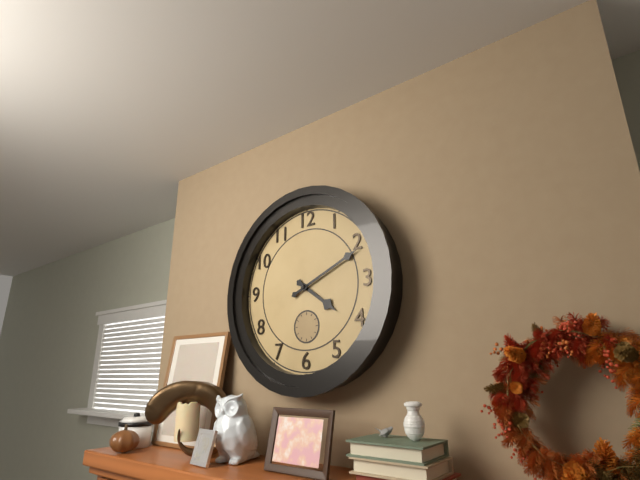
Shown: h=4 m=11
